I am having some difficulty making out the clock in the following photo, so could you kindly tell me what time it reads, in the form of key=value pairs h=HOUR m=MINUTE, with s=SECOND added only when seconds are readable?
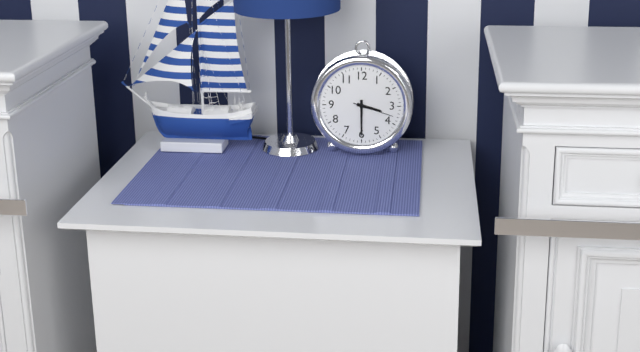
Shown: h=3 m=30
